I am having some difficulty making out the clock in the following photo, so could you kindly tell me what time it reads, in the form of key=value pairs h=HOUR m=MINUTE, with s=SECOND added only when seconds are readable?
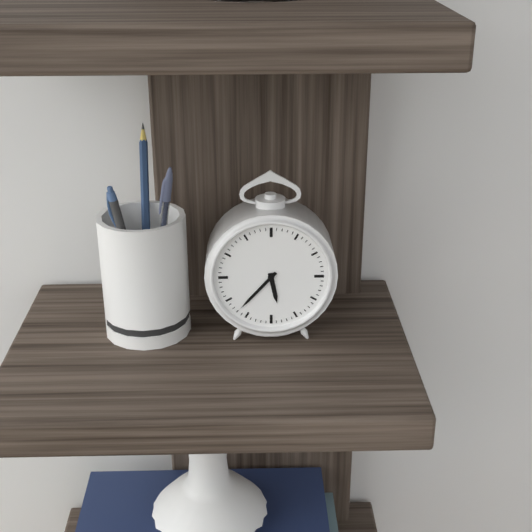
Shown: h=5 m=37
